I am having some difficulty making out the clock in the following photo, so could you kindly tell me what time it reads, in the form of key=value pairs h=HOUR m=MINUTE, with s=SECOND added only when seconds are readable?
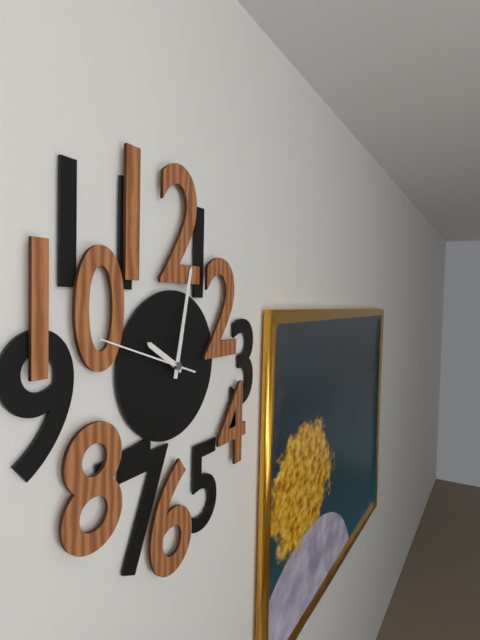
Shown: h=10 m=2 s=48
